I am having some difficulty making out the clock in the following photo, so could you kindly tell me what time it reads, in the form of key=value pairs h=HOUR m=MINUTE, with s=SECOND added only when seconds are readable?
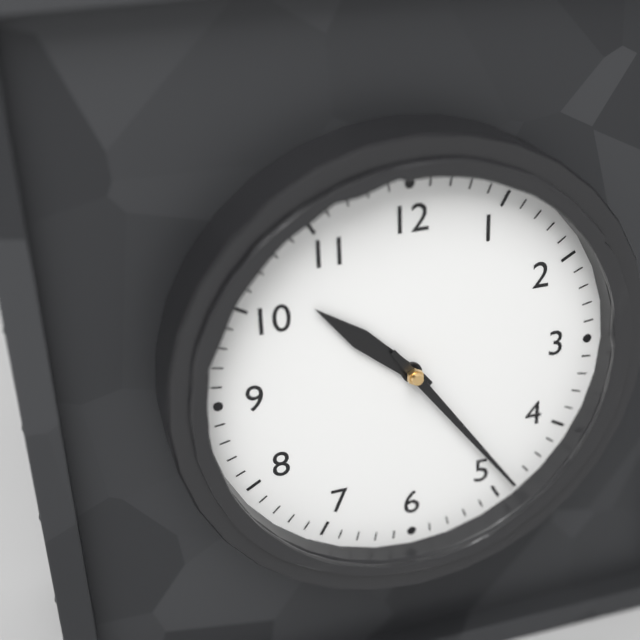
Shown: h=10 m=24
